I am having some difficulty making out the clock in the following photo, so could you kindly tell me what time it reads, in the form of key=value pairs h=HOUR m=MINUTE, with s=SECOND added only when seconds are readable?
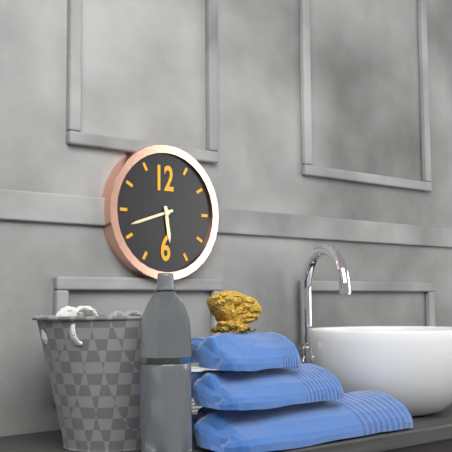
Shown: h=5 m=42
